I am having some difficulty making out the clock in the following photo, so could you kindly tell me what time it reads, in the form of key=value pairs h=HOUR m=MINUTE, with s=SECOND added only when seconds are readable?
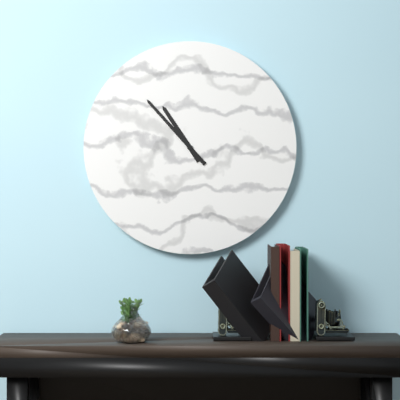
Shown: h=10 m=53
